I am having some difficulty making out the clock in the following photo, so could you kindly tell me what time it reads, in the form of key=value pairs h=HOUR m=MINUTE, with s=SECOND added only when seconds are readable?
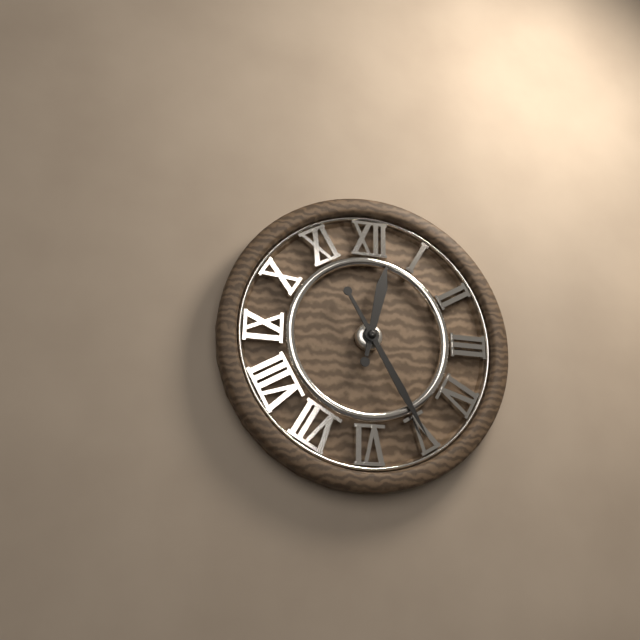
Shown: h=12 m=25
